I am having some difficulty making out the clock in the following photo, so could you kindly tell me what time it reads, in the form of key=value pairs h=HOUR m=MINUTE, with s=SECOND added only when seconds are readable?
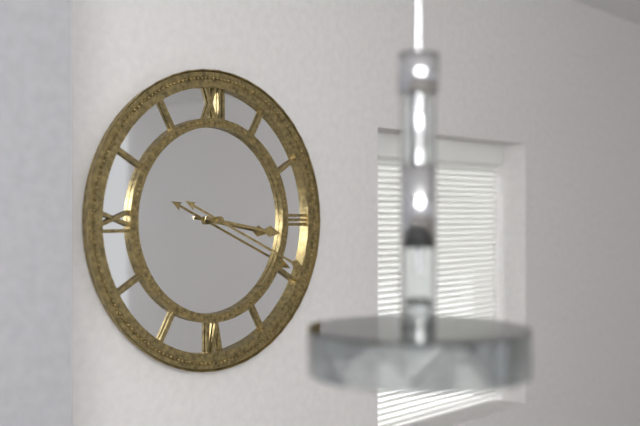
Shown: h=3 m=19
